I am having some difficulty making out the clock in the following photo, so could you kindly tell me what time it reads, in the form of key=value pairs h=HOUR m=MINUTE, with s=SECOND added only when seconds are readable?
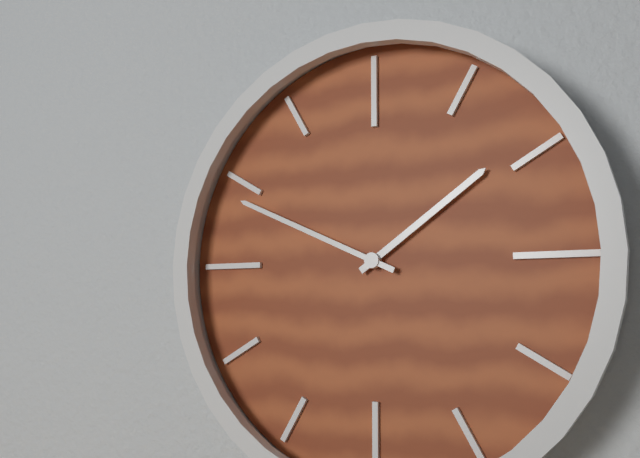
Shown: h=1 m=49
